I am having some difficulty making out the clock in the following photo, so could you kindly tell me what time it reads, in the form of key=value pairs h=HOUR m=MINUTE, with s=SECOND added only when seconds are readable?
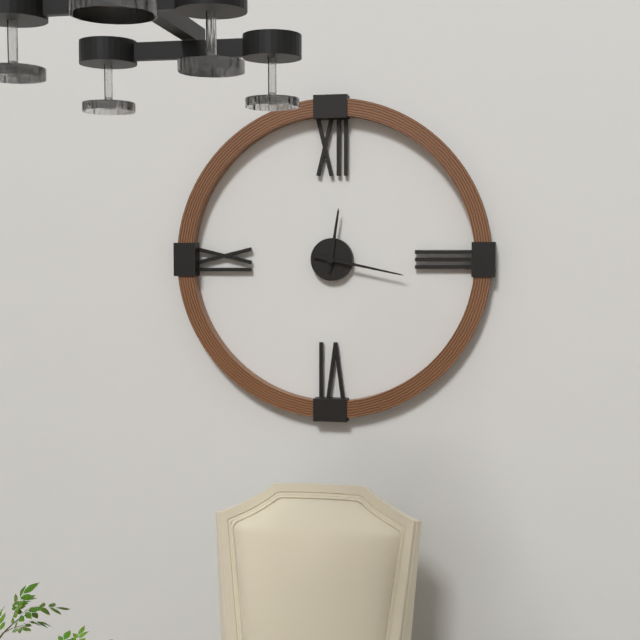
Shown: h=12 m=17
